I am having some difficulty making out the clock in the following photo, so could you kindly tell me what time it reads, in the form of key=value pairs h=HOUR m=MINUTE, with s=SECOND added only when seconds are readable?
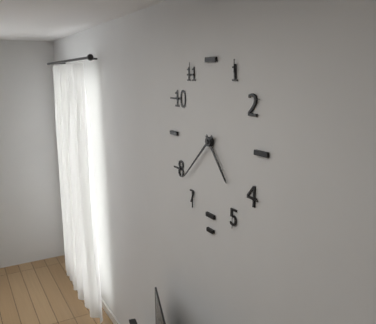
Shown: h=4 m=38
